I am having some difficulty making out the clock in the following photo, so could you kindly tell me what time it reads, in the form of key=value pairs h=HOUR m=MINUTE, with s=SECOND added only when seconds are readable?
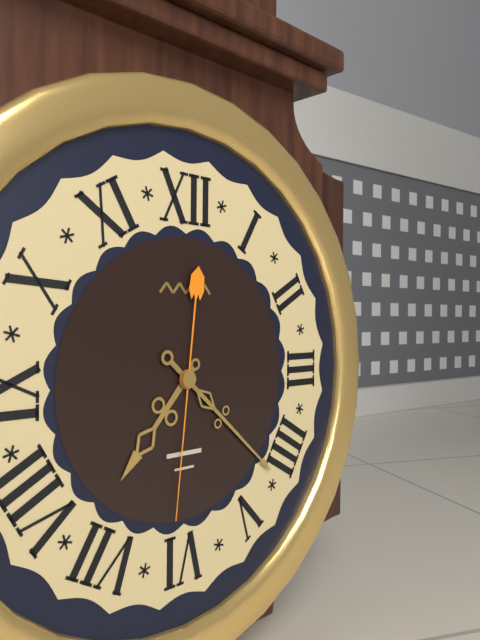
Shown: h=7 m=22 s=31
